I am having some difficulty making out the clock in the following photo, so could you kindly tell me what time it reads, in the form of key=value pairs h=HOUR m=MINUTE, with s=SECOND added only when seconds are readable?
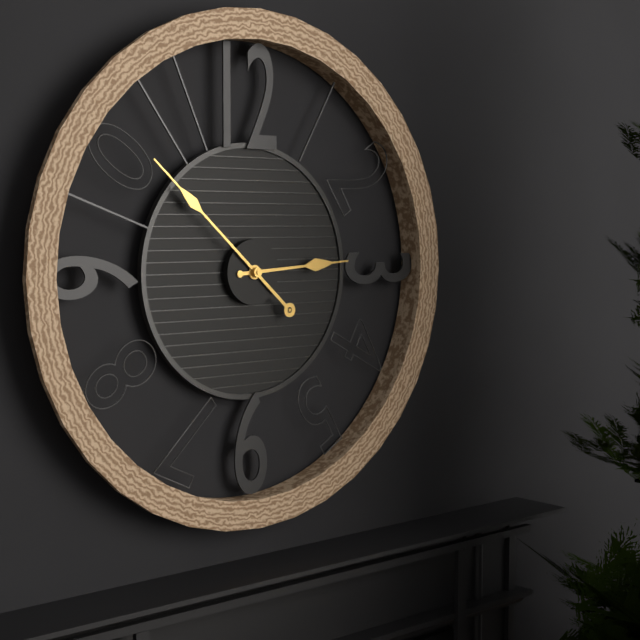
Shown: h=2 m=52
